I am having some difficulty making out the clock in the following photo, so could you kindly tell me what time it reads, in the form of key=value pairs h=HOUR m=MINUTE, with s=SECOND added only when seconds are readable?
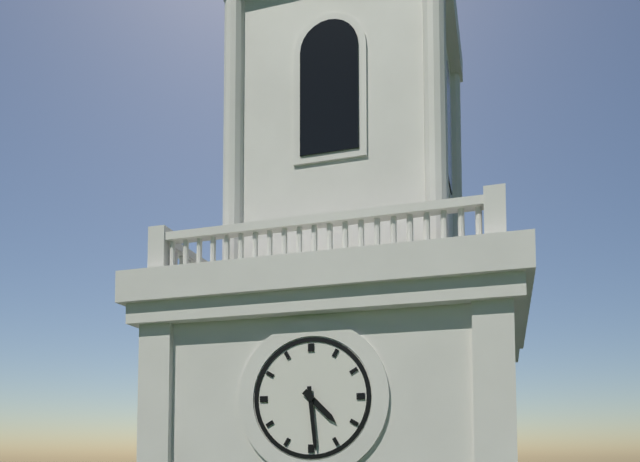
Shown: h=4 m=29
